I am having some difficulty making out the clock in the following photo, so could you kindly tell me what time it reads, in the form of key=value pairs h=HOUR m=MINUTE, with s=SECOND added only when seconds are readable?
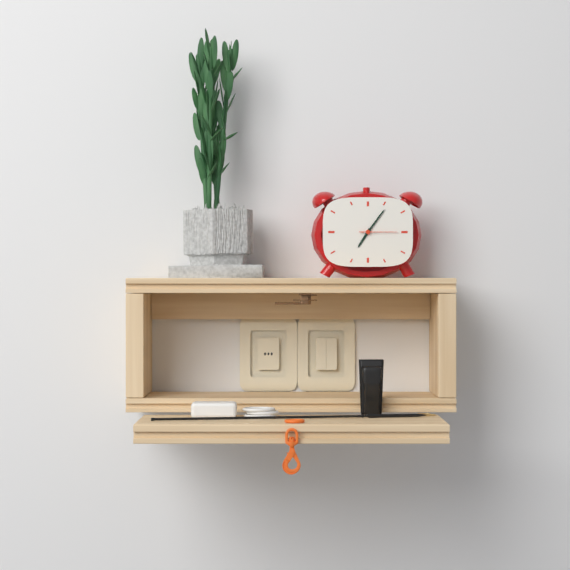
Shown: h=7 m=6
